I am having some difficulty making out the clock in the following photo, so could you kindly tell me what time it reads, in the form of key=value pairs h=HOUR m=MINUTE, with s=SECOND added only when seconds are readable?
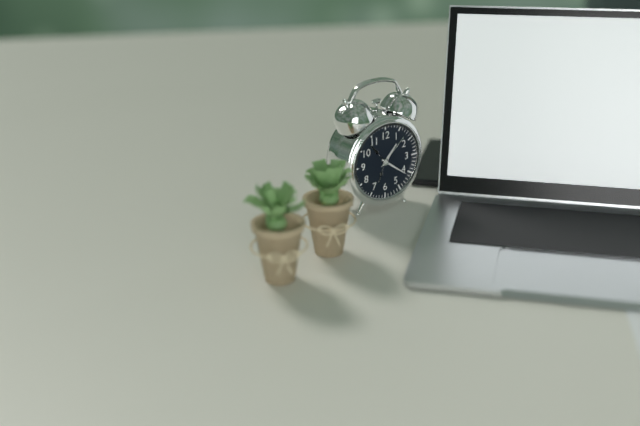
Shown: h=1 m=21
